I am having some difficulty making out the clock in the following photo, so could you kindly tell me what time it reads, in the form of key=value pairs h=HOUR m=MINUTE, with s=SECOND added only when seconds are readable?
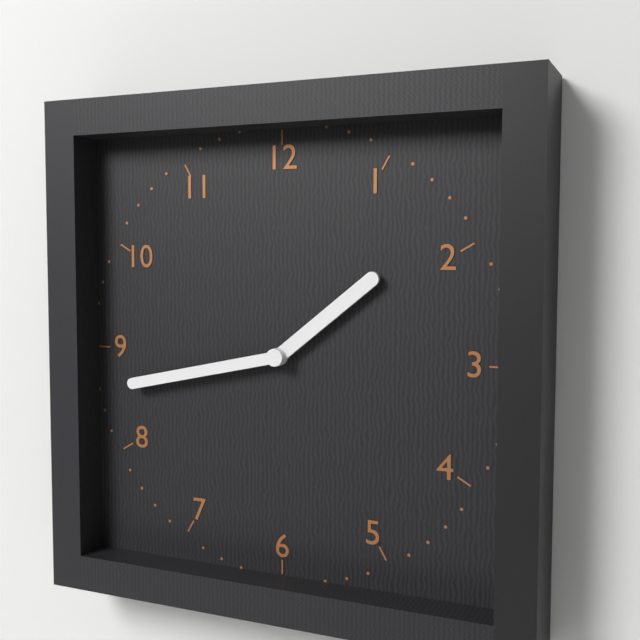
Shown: h=1 m=43
